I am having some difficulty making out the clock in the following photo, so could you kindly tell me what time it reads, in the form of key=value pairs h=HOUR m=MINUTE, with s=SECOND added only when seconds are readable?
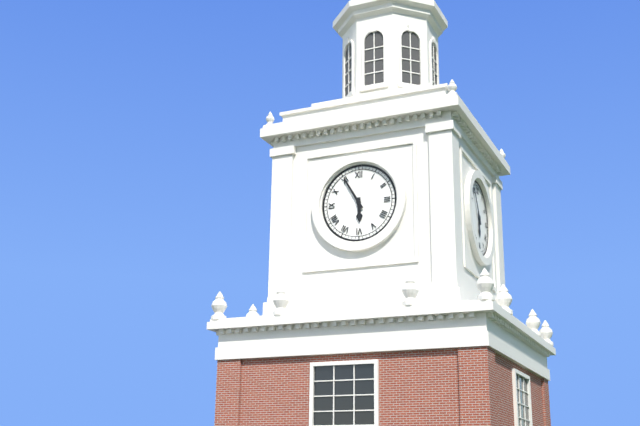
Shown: h=5 m=55
